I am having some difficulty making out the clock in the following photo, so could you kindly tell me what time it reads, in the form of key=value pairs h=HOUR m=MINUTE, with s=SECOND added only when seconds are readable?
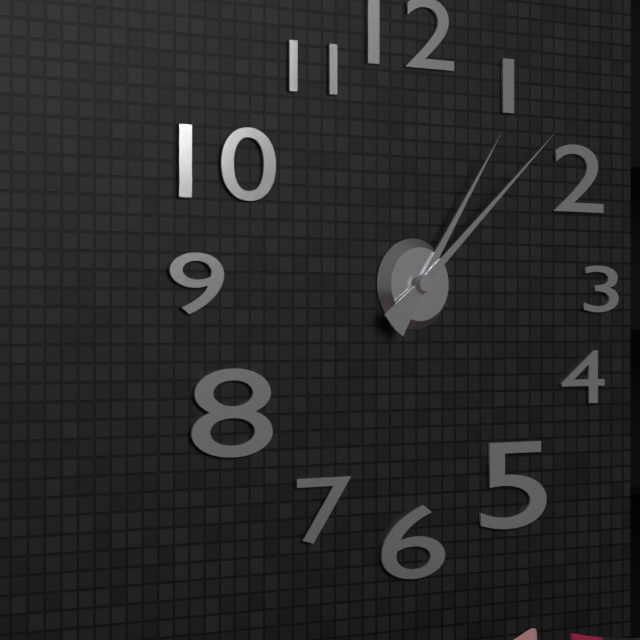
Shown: h=1 m=8
